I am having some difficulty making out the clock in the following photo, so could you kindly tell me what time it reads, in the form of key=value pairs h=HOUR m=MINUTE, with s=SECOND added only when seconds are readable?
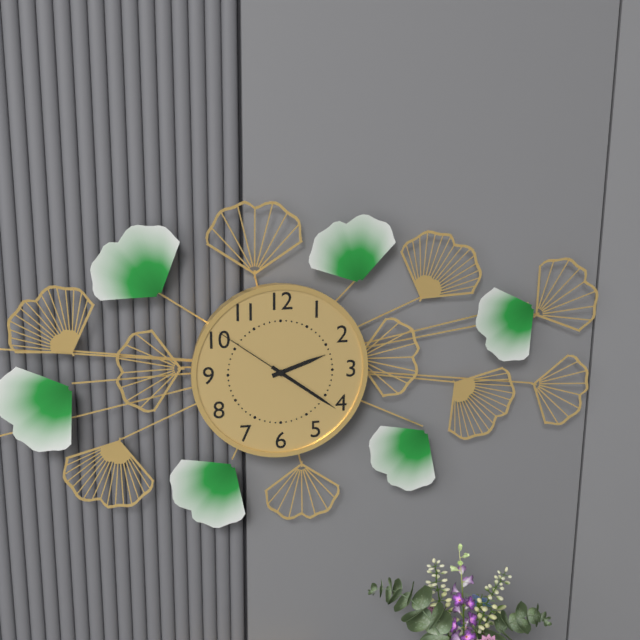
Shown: h=2 m=21 s=51
